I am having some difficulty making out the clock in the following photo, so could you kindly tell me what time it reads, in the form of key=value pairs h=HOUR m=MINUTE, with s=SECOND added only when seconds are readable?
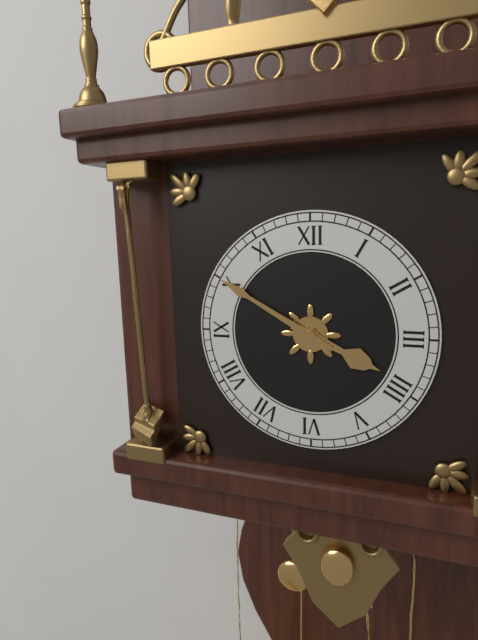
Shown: h=3 m=50
